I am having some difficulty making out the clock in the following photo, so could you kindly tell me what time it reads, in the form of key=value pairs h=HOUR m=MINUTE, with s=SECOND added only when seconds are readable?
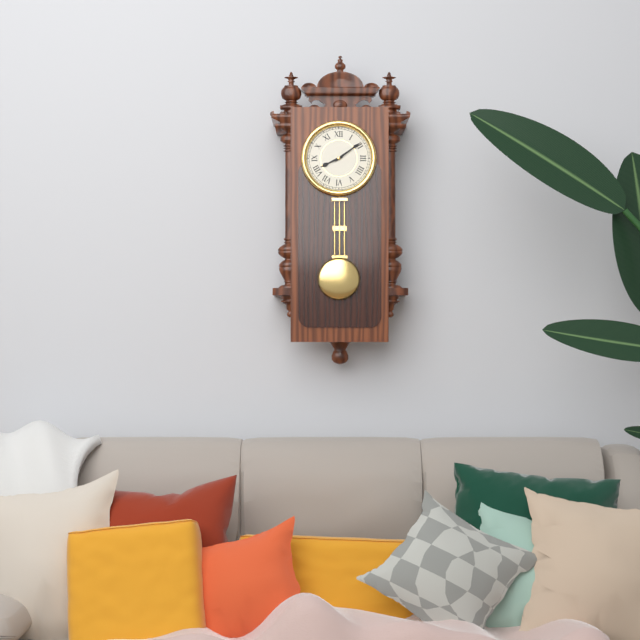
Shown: h=8 m=9
